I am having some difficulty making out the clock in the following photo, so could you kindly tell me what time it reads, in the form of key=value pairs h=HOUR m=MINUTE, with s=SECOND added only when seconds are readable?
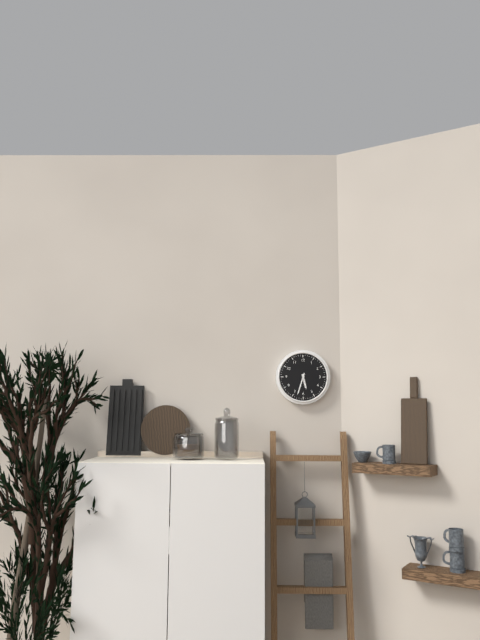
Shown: h=5 m=33
